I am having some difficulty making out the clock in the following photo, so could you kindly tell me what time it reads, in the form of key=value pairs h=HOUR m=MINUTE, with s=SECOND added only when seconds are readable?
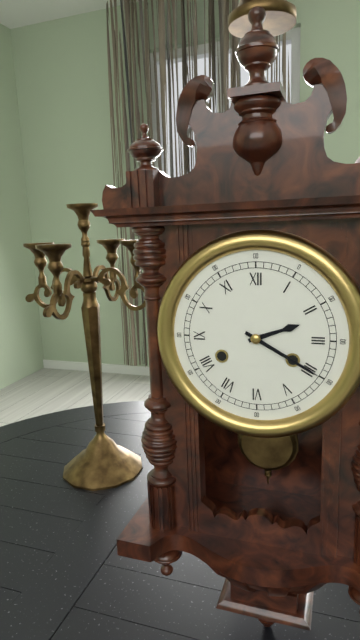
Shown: h=2 m=20
